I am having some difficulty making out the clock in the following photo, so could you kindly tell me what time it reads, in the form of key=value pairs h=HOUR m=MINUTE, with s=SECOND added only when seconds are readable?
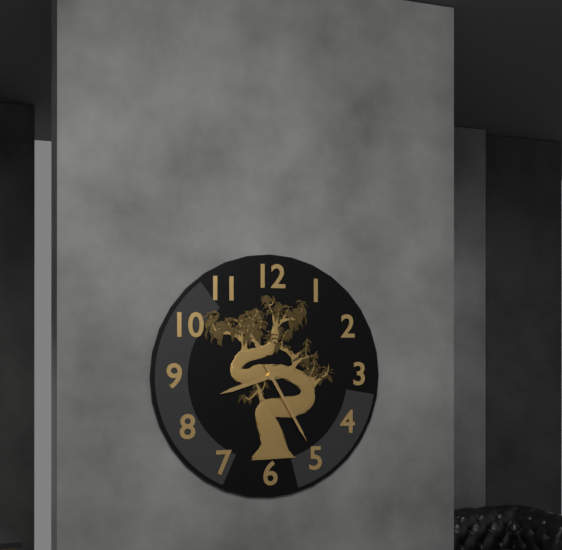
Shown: h=8 m=25
